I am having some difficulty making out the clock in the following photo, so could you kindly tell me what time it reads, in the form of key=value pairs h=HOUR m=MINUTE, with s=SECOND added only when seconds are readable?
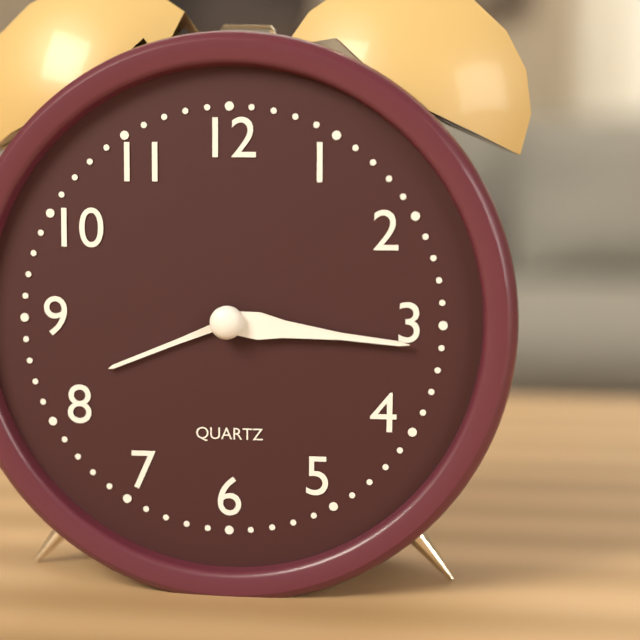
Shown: h=8 m=16
